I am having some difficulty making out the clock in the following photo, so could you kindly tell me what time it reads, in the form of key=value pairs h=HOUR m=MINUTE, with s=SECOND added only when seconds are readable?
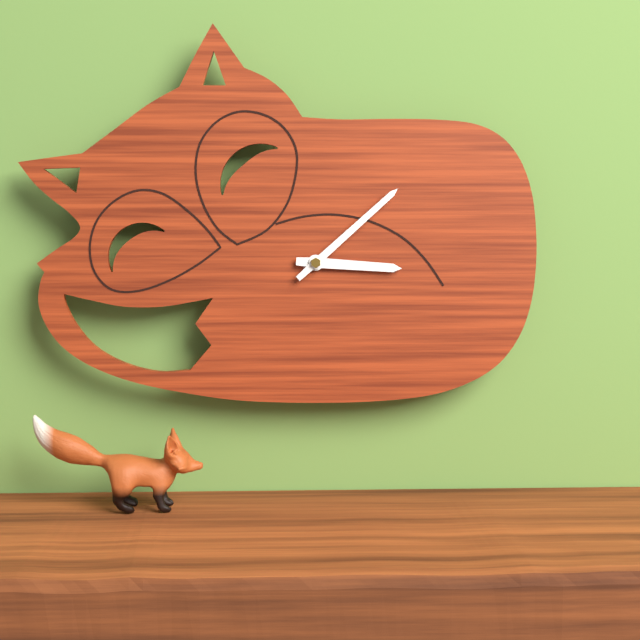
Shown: h=3 m=8
